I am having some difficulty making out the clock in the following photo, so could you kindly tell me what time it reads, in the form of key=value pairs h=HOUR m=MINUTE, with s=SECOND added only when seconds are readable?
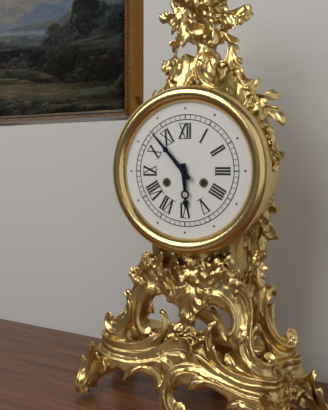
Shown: h=5 m=53
